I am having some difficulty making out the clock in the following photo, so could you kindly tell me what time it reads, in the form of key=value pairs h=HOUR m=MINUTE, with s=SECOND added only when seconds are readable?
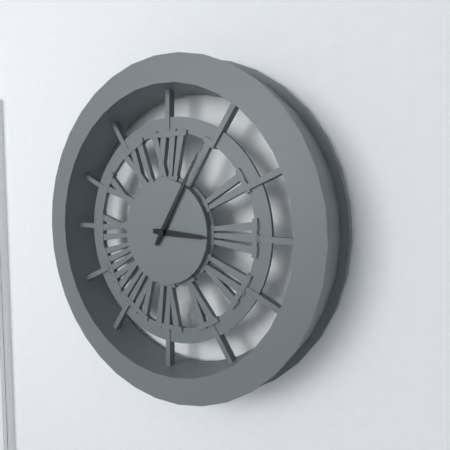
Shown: h=3 m=5
